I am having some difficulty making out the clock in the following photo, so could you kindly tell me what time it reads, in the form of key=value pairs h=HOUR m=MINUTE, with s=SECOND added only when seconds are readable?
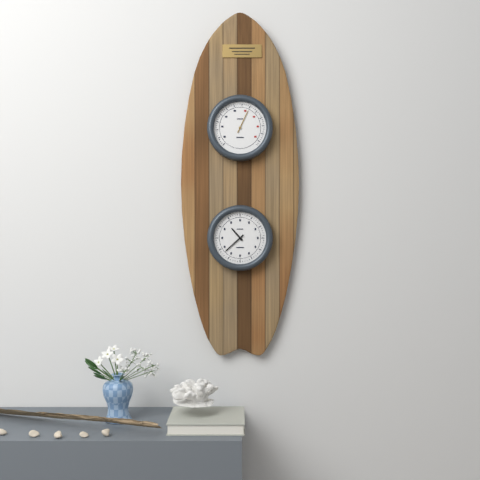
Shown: h=10 m=38
